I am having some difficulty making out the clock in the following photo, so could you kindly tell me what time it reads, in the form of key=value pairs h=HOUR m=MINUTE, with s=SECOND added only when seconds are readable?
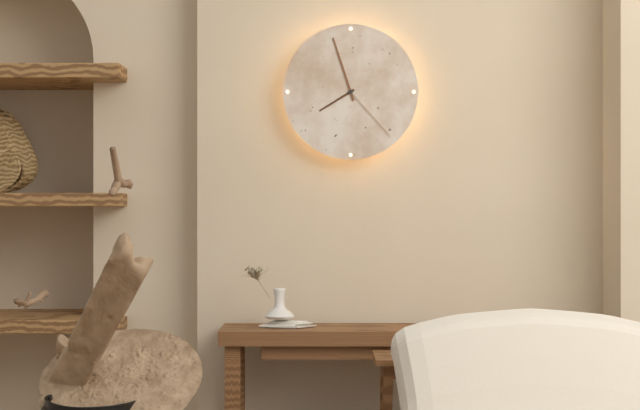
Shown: h=7 m=57 s=23
